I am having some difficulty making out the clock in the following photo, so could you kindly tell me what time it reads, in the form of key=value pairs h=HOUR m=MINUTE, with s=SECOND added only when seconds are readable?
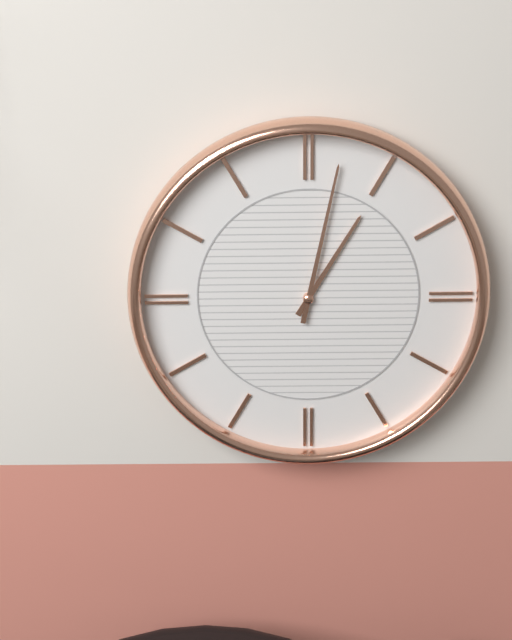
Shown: h=1 m=2
